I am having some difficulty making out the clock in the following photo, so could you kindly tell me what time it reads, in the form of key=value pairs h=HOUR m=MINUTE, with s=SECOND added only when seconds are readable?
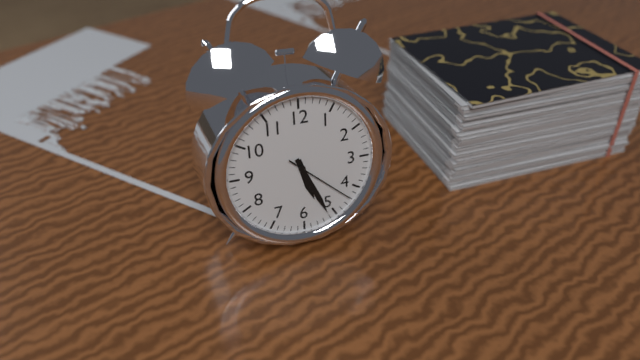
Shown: h=5 m=26 s=22
